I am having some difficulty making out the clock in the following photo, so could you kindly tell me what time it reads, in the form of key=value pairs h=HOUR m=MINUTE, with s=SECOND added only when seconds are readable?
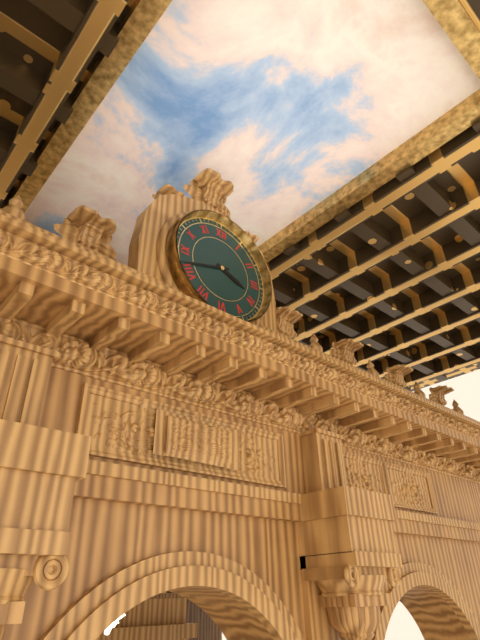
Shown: h=3 m=42
